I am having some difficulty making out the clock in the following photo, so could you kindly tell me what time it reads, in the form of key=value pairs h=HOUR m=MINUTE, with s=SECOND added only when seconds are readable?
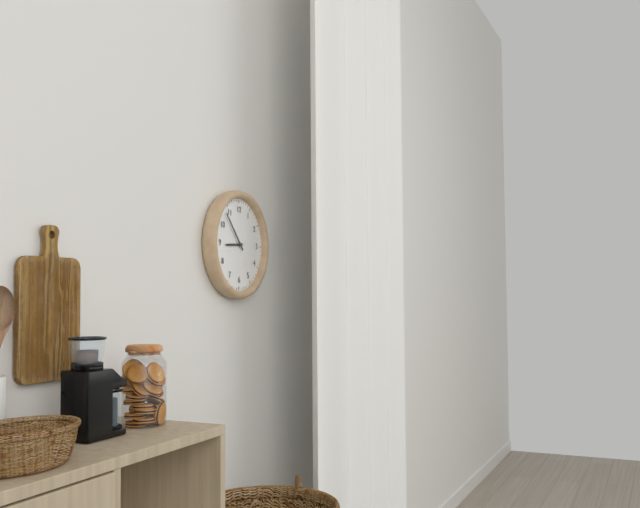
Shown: h=8 m=53
